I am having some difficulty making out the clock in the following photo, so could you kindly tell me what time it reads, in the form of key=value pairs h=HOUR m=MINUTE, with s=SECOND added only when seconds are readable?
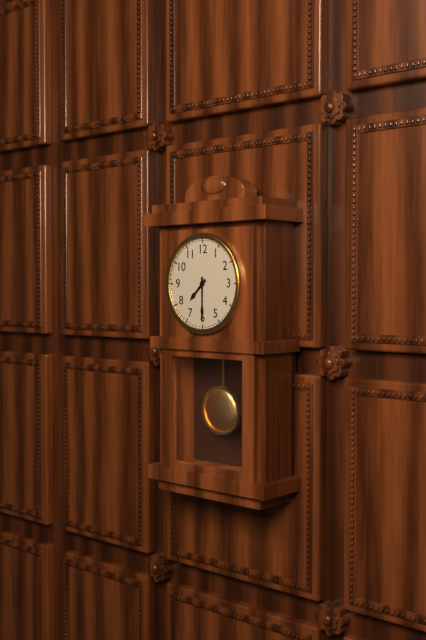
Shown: h=7 m=30
